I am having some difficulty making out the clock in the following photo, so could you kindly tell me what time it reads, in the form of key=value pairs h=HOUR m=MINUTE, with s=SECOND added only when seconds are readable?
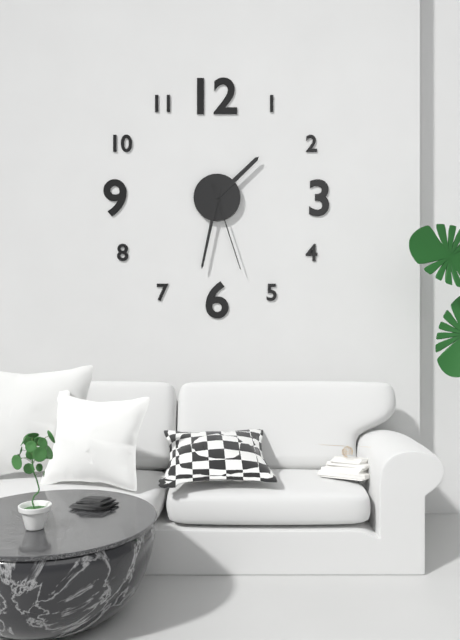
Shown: h=1 m=32 s=27
